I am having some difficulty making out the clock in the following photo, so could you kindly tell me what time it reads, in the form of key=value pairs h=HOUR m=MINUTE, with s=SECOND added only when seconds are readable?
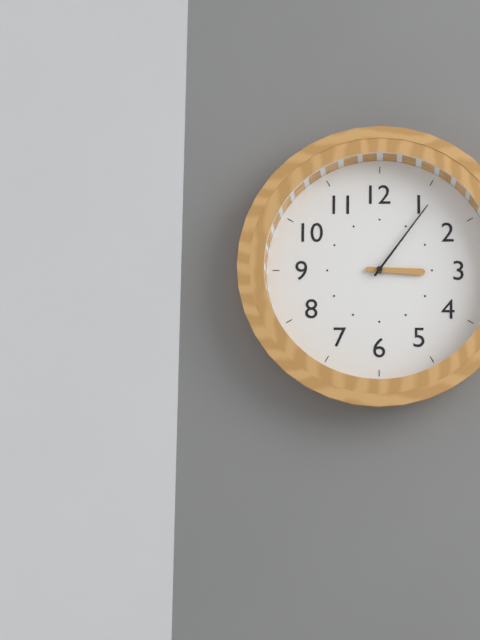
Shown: h=3 m=6
